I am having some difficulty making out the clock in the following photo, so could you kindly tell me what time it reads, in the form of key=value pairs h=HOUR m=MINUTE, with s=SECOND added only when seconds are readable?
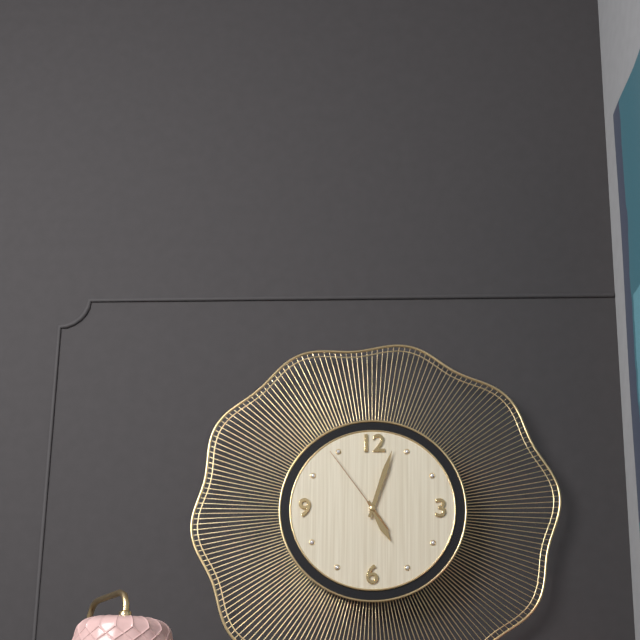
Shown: h=5 m=3 s=54
